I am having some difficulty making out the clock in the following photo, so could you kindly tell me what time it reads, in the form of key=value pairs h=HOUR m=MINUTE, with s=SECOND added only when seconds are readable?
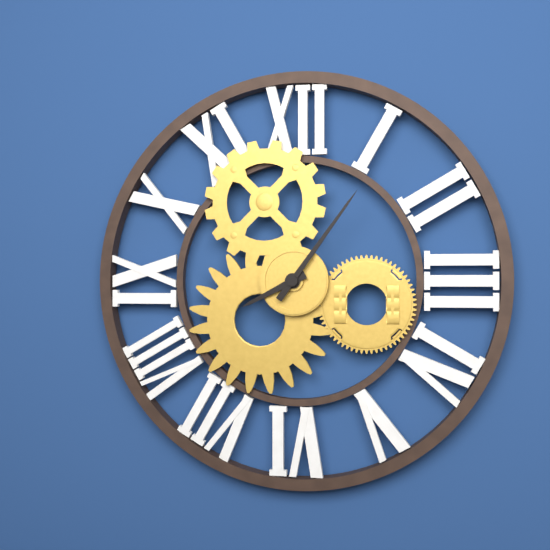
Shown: h=8 m=6
